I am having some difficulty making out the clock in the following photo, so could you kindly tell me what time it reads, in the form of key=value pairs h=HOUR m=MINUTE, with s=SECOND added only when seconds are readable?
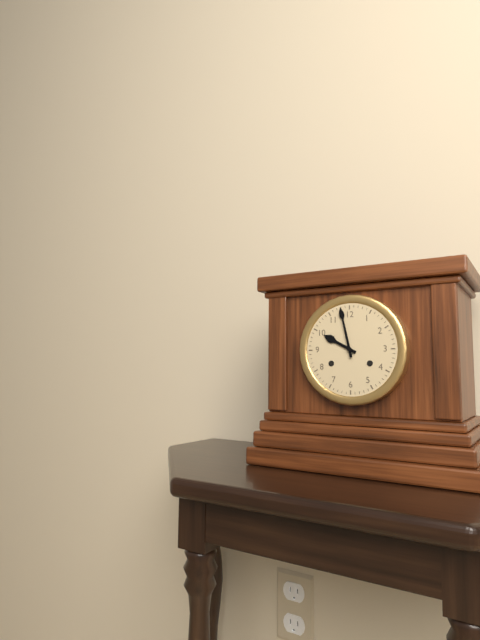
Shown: h=9 m=58
